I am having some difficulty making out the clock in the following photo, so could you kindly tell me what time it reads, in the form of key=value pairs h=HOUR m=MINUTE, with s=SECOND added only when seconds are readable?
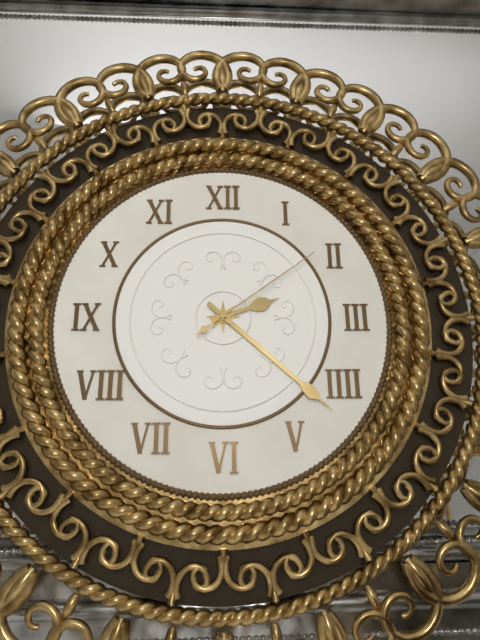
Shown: h=2 m=22 s=9
